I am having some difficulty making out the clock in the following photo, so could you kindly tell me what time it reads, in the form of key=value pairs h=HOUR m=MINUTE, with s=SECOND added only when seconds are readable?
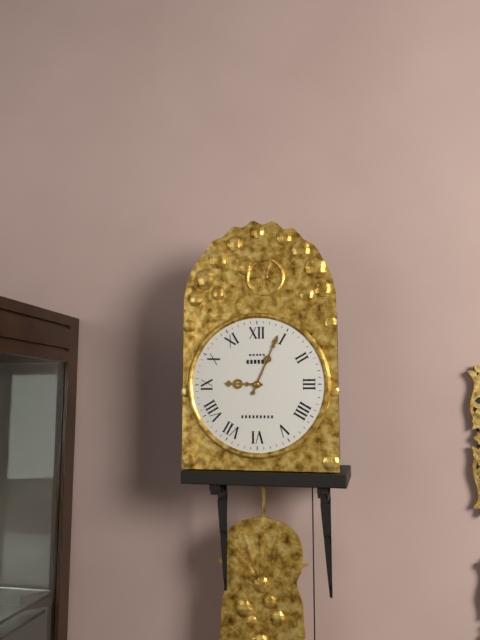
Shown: h=9 m=4
